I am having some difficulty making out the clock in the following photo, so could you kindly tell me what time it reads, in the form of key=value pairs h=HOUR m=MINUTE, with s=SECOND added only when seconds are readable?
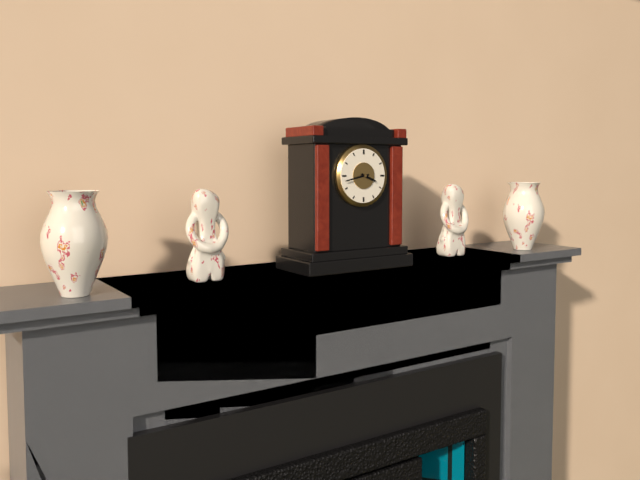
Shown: h=3 m=43
